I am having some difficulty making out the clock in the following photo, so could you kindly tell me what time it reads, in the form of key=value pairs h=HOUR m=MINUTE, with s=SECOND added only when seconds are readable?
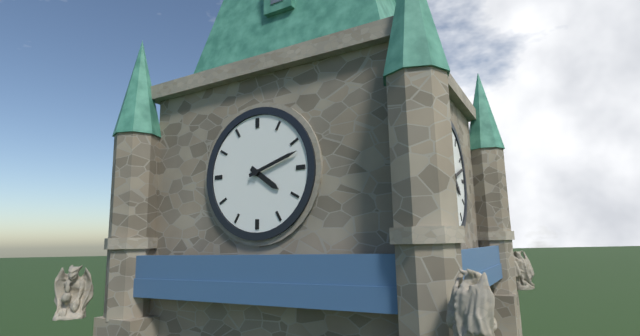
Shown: h=4 m=12
